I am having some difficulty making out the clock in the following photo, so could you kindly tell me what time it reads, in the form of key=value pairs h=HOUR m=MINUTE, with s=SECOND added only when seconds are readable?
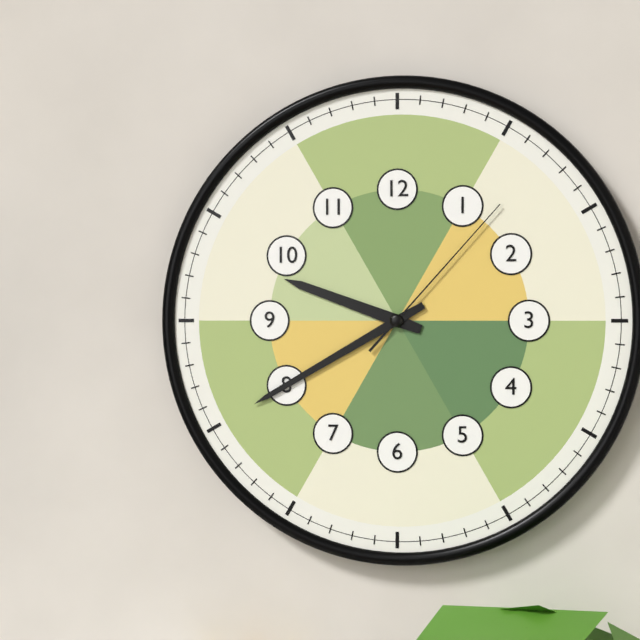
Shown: h=9 m=40 s=7
